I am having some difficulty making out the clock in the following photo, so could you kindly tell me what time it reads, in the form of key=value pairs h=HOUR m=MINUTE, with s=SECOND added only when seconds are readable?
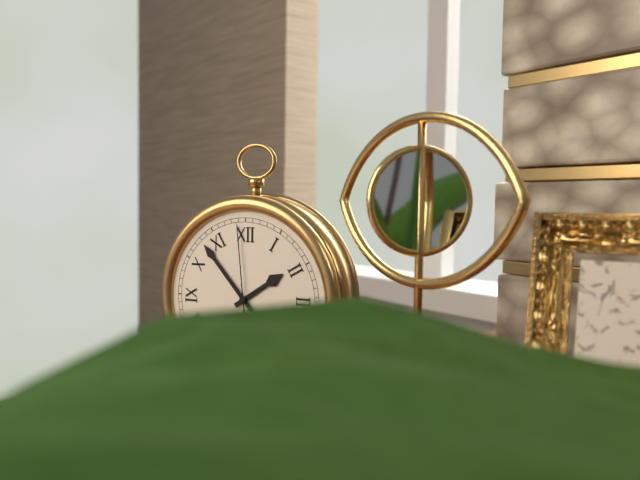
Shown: h=1 m=53 s=59
